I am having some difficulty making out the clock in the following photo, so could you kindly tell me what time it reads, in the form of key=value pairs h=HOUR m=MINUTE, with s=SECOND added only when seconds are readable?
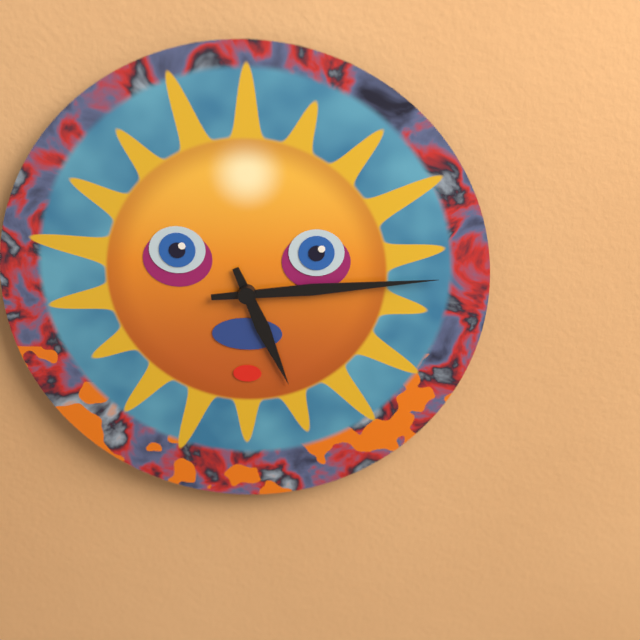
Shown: h=5 m=14
